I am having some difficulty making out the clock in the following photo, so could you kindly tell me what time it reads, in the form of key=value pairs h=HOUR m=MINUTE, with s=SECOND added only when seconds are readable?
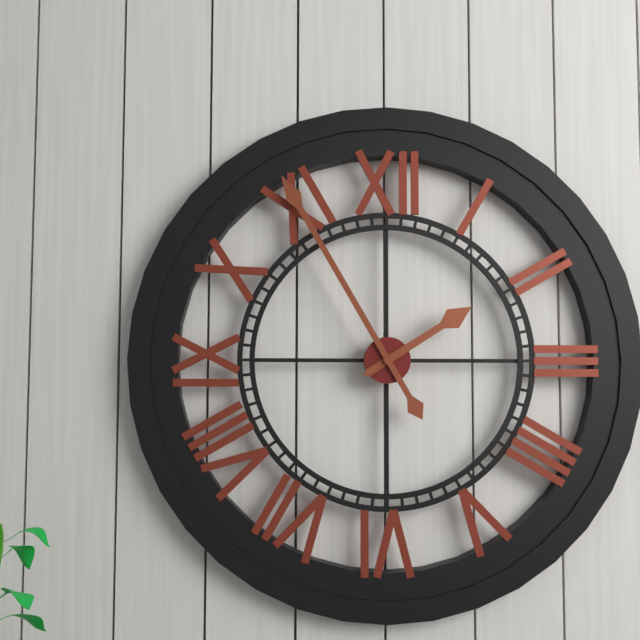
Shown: h=1 m=55
